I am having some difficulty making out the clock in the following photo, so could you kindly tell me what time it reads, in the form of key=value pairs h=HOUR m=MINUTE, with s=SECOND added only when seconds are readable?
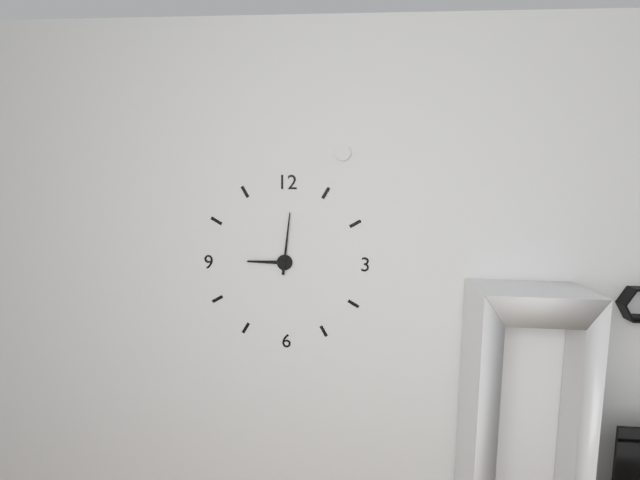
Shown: h=9 m=1
